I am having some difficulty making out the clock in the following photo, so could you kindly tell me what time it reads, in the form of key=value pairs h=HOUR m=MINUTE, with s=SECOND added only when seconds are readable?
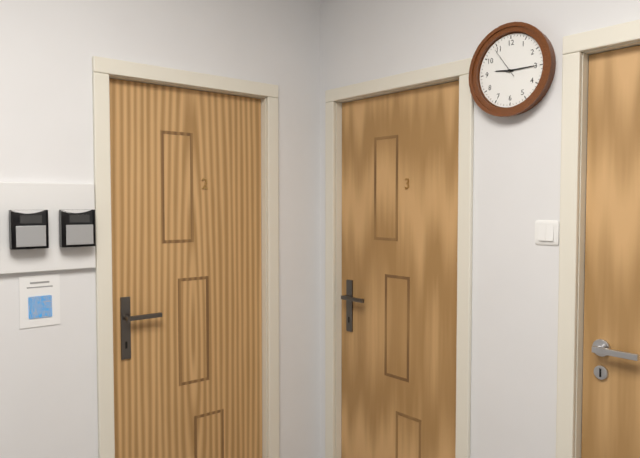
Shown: h=9 m=15
